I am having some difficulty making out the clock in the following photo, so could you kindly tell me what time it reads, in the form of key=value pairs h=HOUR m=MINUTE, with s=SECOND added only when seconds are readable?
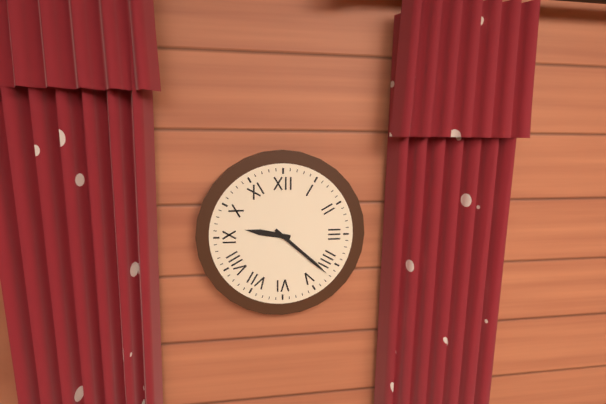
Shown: h=9 m=22
